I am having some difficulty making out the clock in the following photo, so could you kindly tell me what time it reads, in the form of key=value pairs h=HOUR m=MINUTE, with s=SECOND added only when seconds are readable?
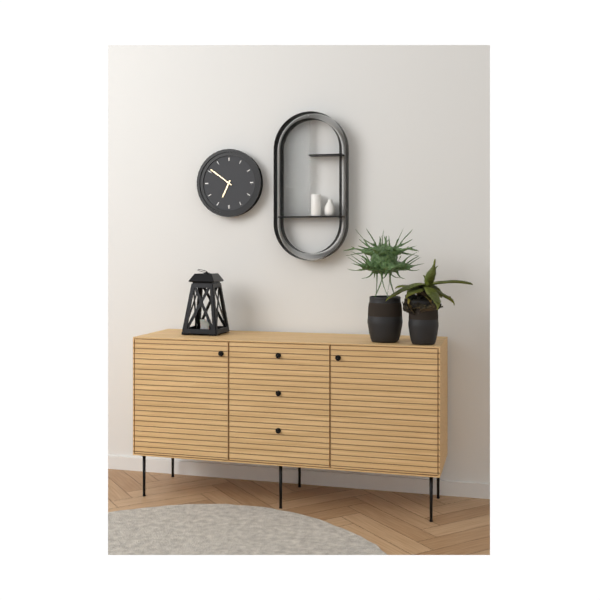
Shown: h=6 m=51
